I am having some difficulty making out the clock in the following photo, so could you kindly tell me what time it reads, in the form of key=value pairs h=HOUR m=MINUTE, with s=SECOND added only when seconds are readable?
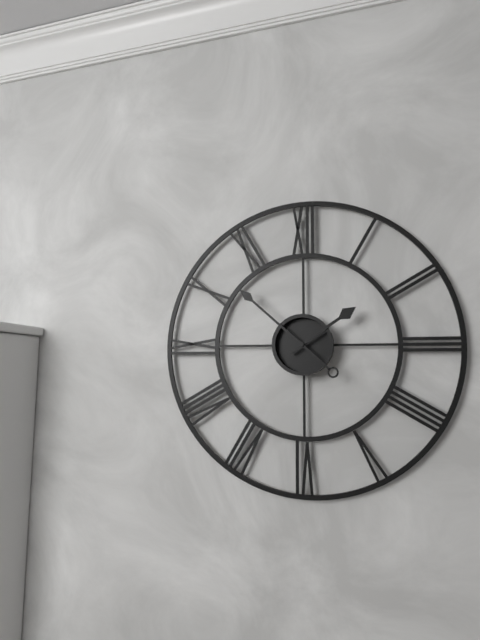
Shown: h=1 m=52
